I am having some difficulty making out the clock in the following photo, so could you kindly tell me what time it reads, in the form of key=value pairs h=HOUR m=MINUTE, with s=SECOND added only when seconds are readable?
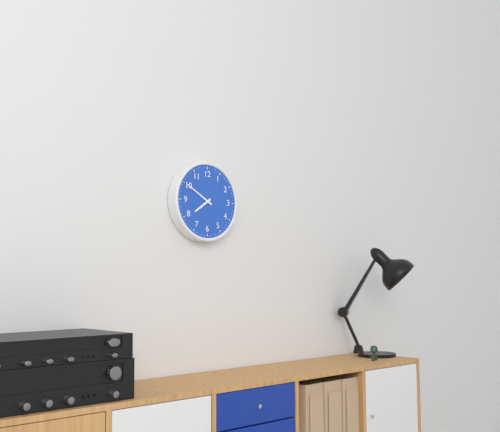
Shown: h=7 m=50
